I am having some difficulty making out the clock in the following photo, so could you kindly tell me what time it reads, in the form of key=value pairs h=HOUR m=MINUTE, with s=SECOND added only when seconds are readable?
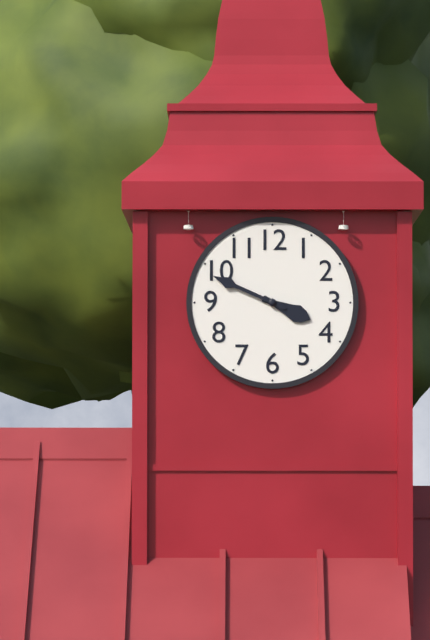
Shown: h=3 m=49
